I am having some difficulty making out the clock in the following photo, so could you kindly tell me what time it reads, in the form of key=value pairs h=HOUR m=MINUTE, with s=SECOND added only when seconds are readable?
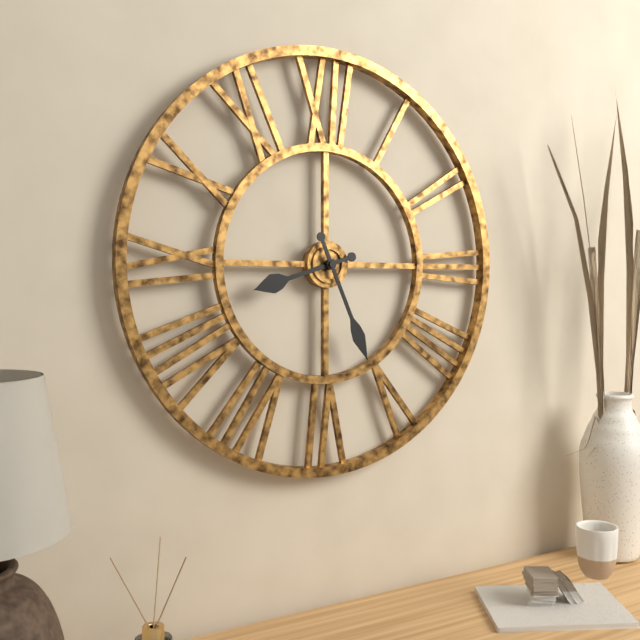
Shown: h=8 m=26
